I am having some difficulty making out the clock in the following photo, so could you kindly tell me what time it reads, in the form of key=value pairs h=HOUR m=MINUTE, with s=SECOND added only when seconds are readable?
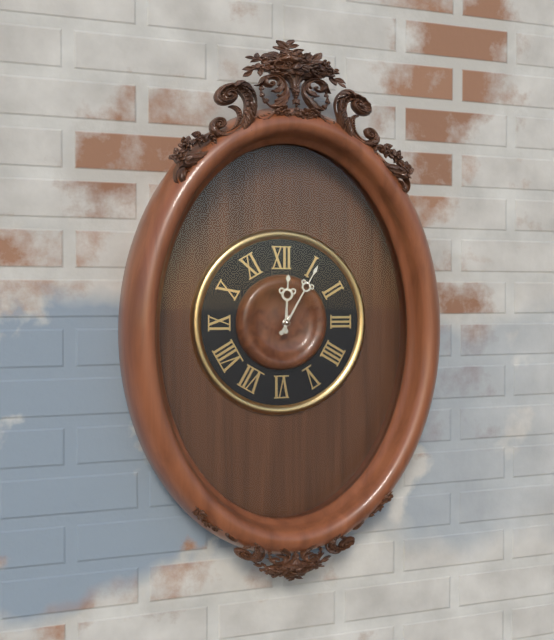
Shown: h=12 m=5
